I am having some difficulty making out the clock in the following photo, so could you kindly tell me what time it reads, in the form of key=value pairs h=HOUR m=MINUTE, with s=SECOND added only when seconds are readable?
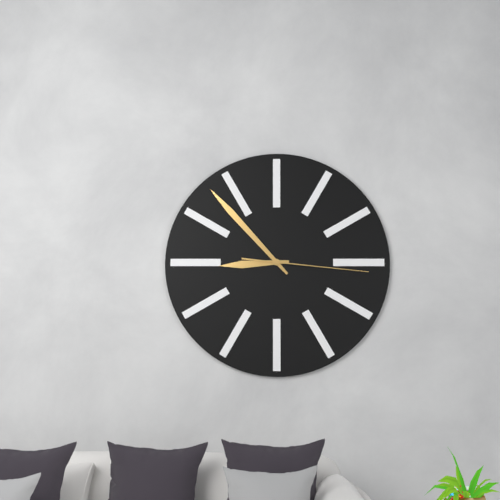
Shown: h=8 m=53 s=16
